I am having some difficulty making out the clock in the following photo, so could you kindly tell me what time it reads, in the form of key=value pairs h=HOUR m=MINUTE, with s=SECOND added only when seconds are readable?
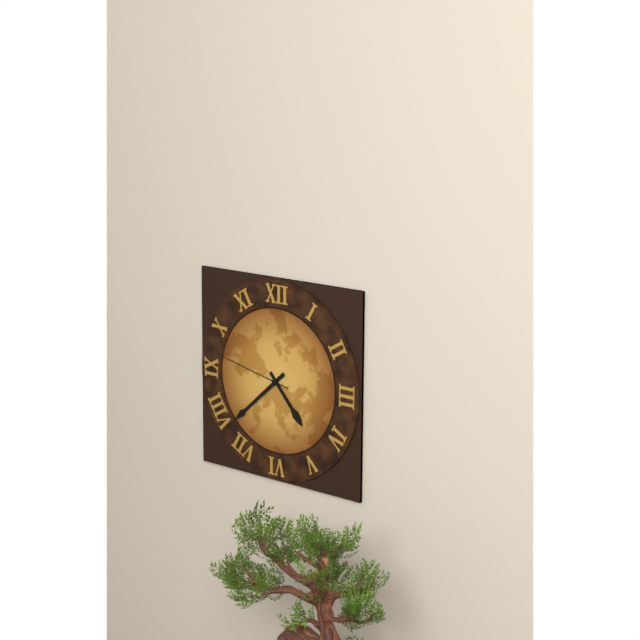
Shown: h=4 m=38 s=47
